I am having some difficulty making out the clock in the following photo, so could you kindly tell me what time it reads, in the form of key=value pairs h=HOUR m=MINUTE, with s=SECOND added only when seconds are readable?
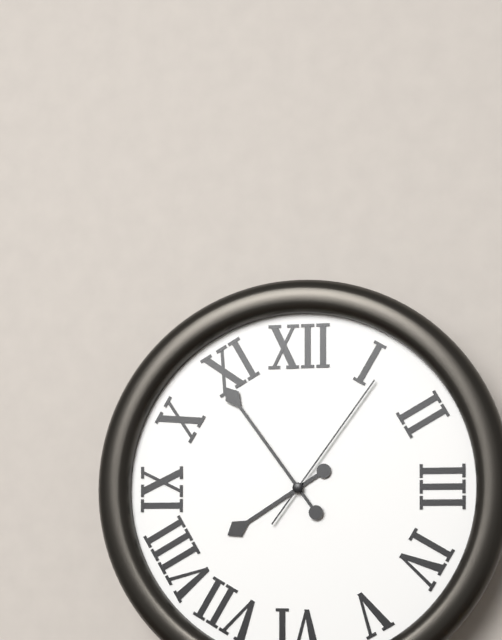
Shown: h=7 m=54 s=6
